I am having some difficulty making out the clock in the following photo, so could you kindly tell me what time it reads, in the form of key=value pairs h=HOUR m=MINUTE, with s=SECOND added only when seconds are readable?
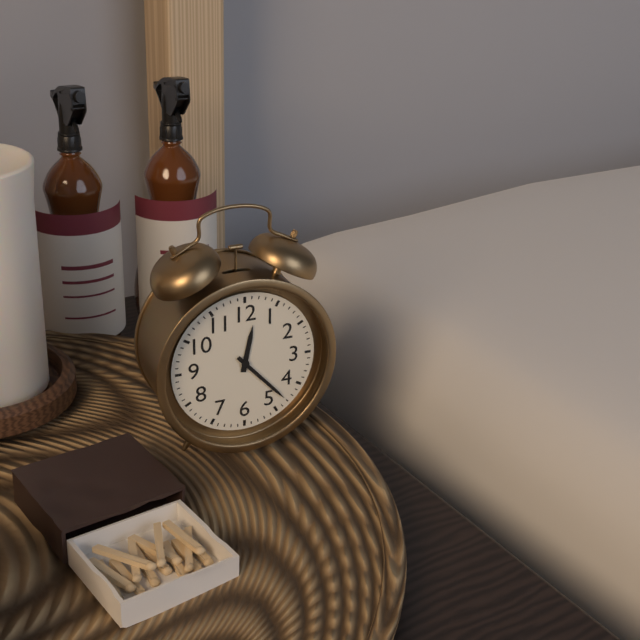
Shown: h=12 m=23
